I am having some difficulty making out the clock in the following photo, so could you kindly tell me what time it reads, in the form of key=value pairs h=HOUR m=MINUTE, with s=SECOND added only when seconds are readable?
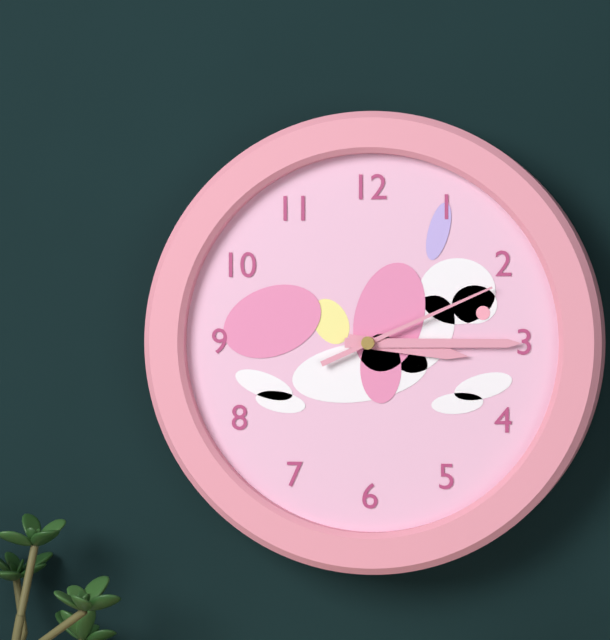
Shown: h=3 m=15 s=11
